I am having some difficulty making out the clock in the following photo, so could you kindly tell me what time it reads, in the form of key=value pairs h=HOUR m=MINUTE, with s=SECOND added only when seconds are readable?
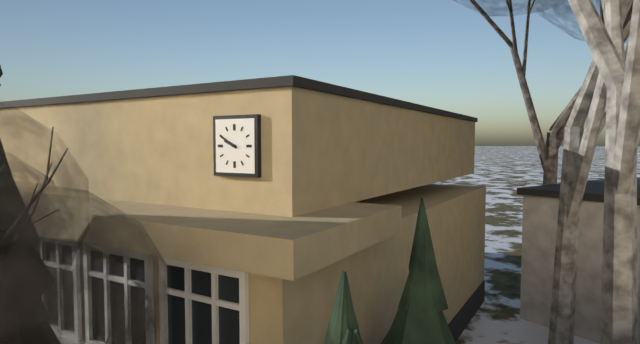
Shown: h=9 m=50
